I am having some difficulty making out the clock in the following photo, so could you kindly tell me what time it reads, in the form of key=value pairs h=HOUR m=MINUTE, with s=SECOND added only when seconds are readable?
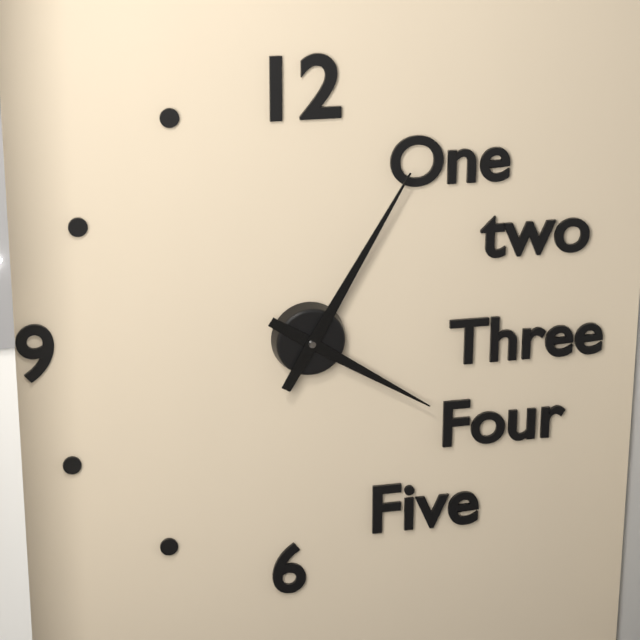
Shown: h=4 m=5
